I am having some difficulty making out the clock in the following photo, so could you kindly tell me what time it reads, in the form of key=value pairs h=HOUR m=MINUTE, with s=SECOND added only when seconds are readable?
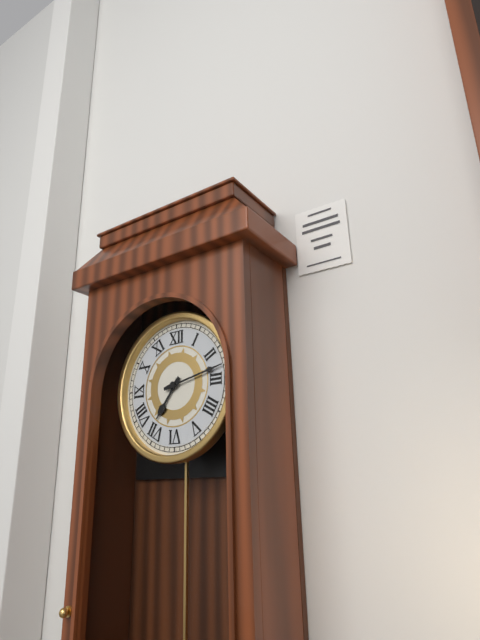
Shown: h=7 m=13
